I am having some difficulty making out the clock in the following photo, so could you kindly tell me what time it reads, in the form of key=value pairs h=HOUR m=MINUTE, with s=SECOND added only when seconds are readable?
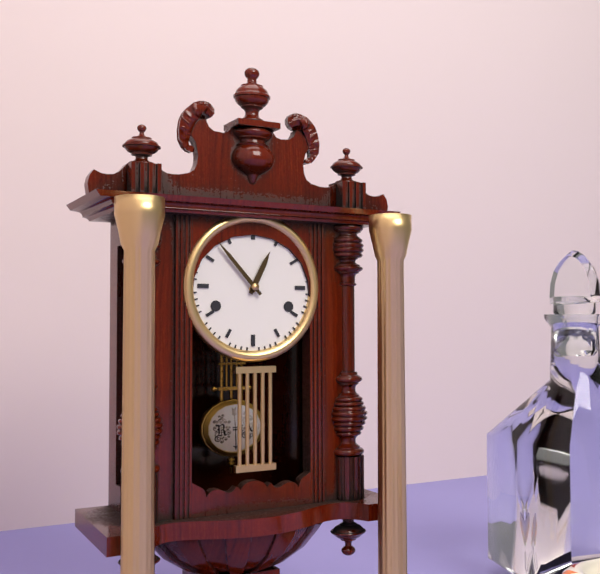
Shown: h=12 m=53
